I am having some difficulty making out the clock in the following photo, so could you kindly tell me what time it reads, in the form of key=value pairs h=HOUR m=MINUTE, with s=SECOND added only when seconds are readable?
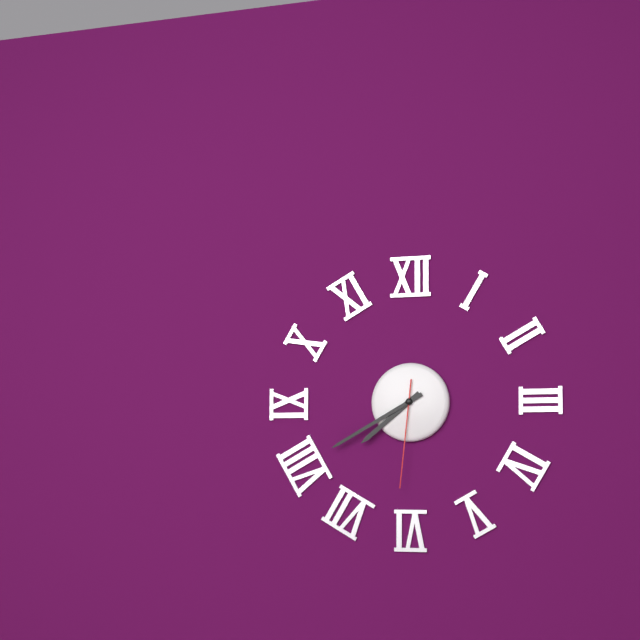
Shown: h=7 m=40 s=31
